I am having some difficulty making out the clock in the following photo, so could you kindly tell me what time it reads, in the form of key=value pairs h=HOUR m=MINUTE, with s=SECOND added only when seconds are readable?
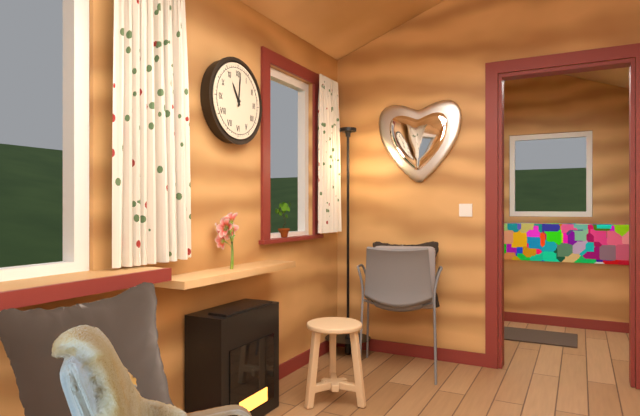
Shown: h=11 m=1
